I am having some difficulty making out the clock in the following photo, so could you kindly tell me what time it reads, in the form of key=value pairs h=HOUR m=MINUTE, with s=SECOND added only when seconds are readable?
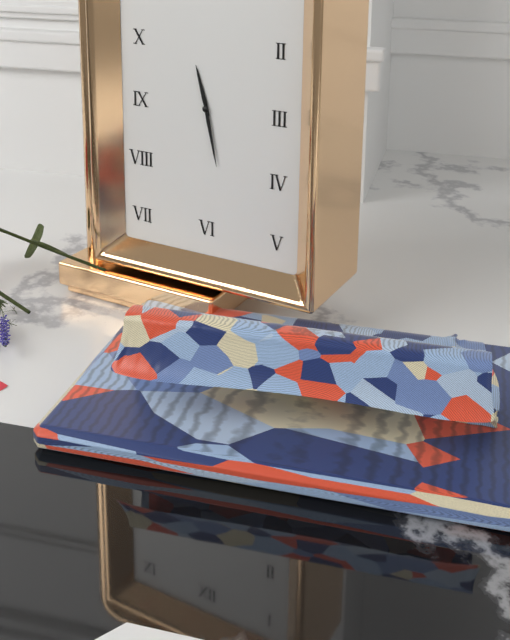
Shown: h=11 m=28
